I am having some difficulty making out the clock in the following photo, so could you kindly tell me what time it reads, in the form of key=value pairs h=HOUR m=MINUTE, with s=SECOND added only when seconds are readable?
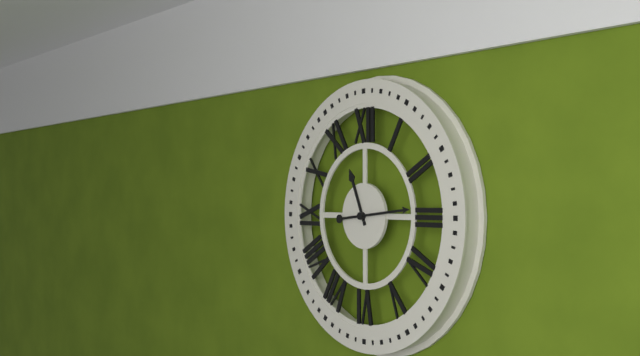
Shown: h=11 m=14
